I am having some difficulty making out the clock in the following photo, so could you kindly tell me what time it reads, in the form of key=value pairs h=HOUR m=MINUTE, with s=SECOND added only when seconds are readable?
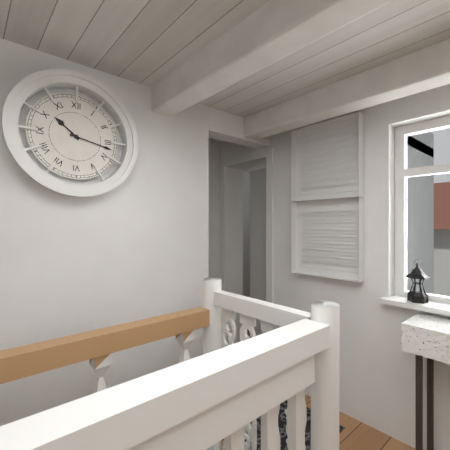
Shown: h=10 m=17
